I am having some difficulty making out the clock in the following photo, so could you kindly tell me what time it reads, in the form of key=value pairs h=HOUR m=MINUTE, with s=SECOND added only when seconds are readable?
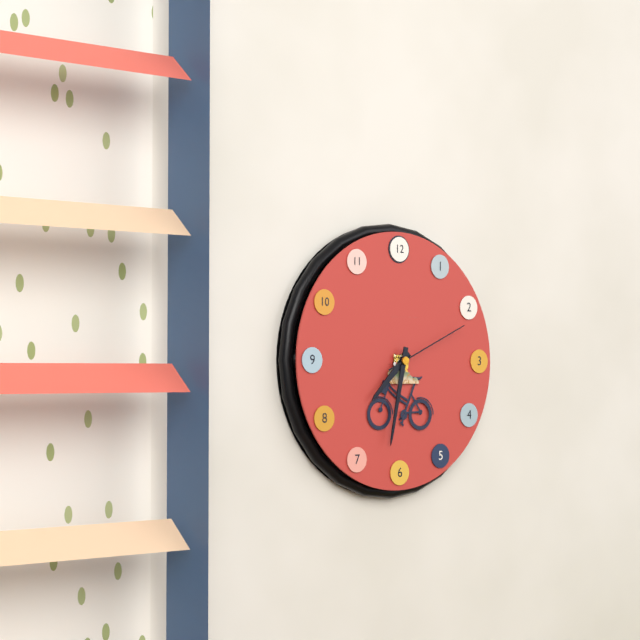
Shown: h=7 m=32 s=11
